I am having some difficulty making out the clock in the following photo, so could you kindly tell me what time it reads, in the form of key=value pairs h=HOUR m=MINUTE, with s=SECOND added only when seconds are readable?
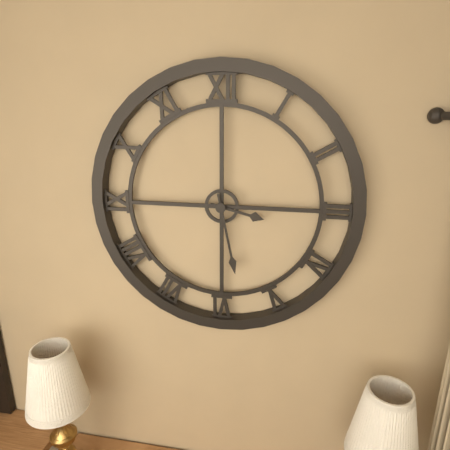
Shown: h=3 m=28
